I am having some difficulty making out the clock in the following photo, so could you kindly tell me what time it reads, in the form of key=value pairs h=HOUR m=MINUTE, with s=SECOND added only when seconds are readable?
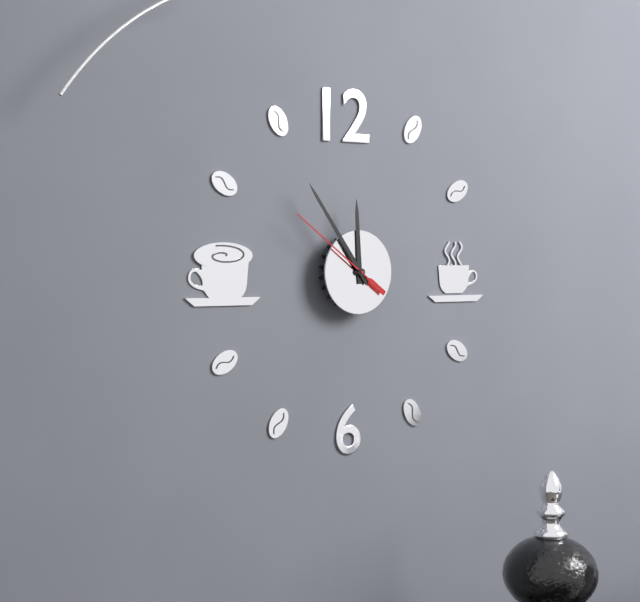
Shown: h=11 m=54 s=51
